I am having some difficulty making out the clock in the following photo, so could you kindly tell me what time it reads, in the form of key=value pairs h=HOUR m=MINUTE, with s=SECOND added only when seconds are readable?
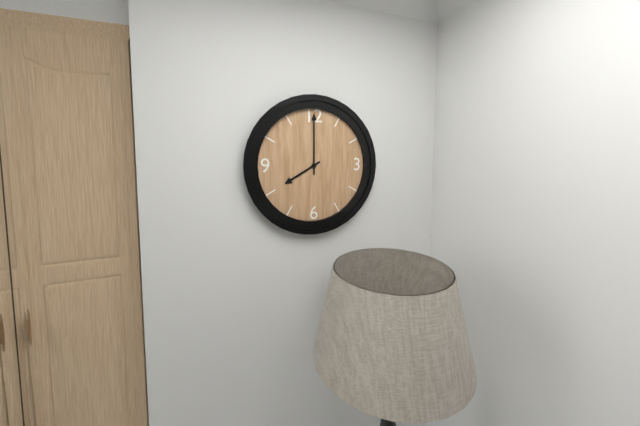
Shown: h=8 m=0
